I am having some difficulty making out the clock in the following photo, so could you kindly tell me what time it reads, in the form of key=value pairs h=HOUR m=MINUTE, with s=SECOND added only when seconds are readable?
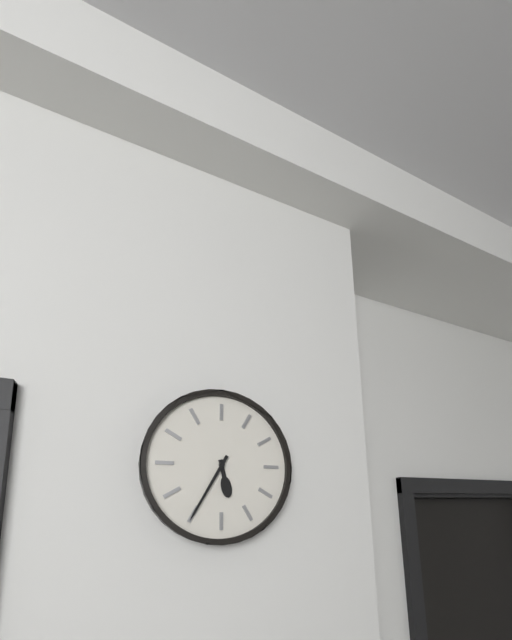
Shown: h=5 m=35
